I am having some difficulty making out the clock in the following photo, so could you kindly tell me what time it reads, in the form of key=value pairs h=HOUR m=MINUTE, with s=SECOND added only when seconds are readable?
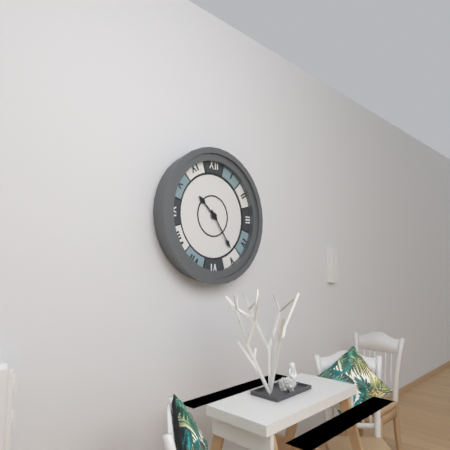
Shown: h=10 m=24
